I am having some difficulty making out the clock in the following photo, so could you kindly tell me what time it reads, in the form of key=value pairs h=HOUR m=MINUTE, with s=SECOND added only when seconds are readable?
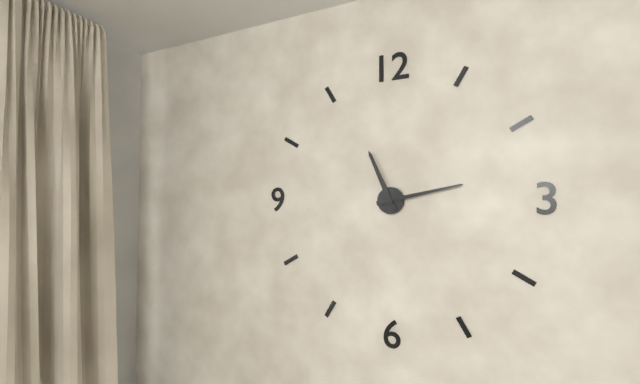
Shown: h=11 m=13
